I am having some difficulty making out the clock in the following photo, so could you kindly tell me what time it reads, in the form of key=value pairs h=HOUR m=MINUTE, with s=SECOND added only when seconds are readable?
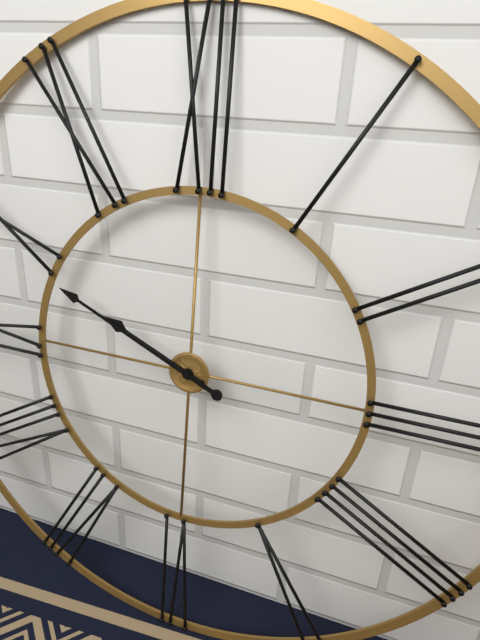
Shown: h=9 m=49
